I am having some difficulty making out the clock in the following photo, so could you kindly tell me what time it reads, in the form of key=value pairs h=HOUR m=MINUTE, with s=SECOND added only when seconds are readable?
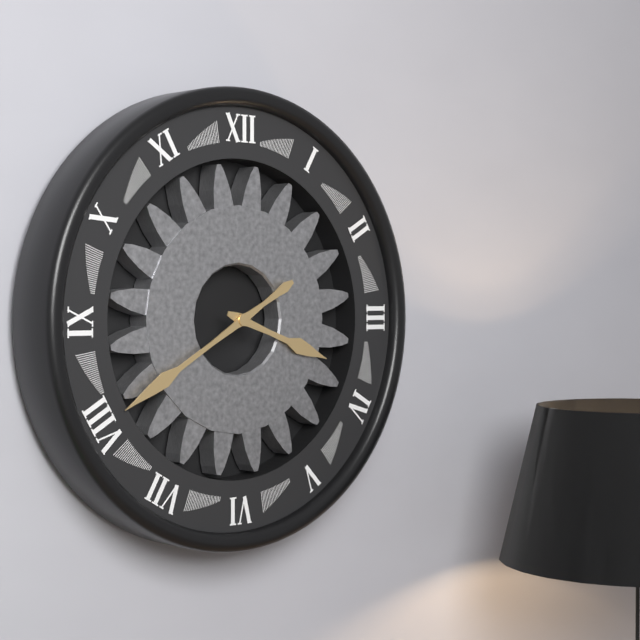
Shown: h=3 m=40
